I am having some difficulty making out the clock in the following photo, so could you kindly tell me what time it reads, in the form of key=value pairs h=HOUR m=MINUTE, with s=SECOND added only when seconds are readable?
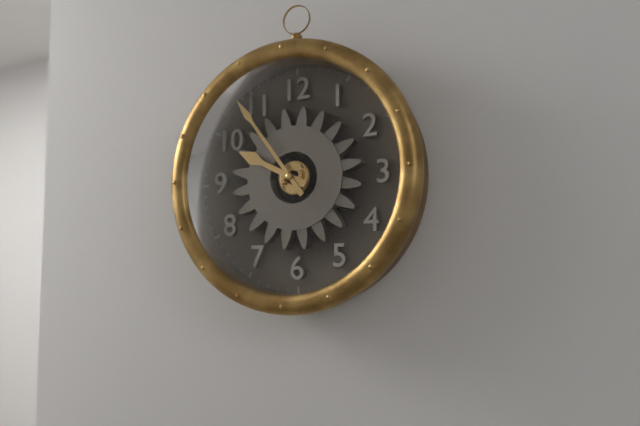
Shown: h=9 m=54
